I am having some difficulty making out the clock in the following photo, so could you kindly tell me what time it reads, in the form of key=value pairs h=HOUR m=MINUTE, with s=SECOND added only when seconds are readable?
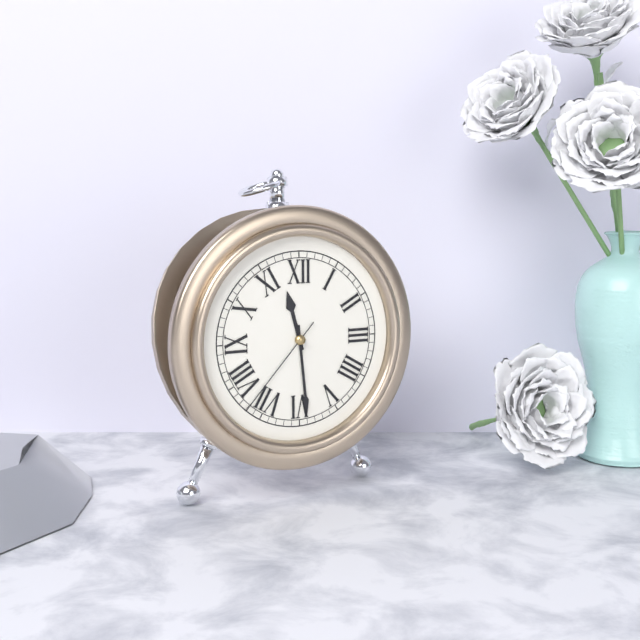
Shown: h=11 m=29 s=37
